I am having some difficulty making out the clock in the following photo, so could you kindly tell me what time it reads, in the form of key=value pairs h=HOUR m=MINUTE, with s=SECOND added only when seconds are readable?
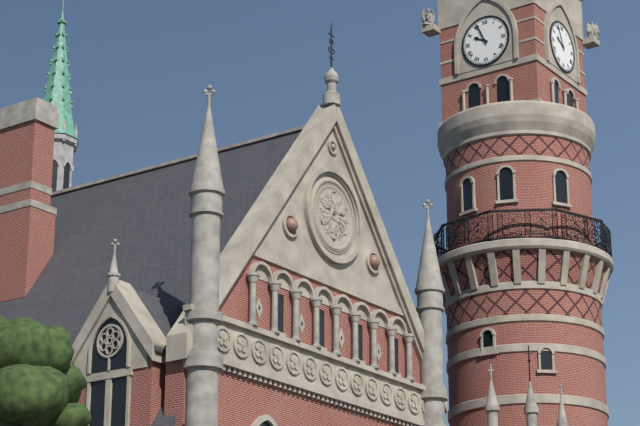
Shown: h=9 m=56
